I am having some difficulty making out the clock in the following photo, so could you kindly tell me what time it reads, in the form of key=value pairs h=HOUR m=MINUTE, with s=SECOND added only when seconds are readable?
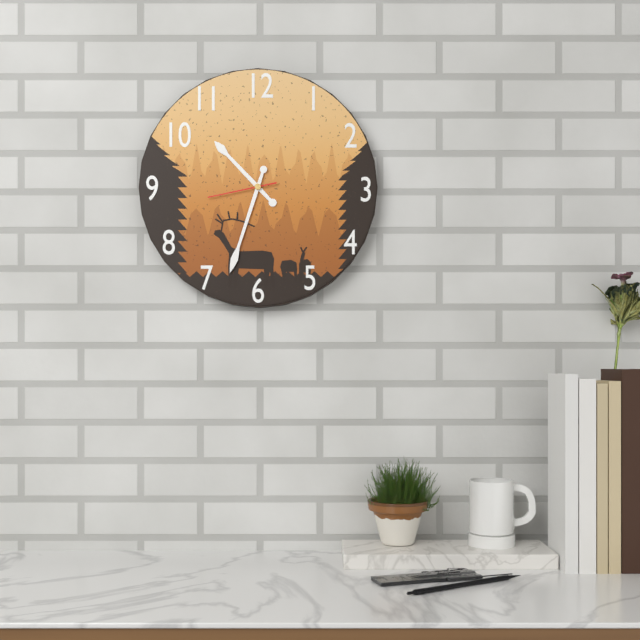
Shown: h=10 m=33 s=43
